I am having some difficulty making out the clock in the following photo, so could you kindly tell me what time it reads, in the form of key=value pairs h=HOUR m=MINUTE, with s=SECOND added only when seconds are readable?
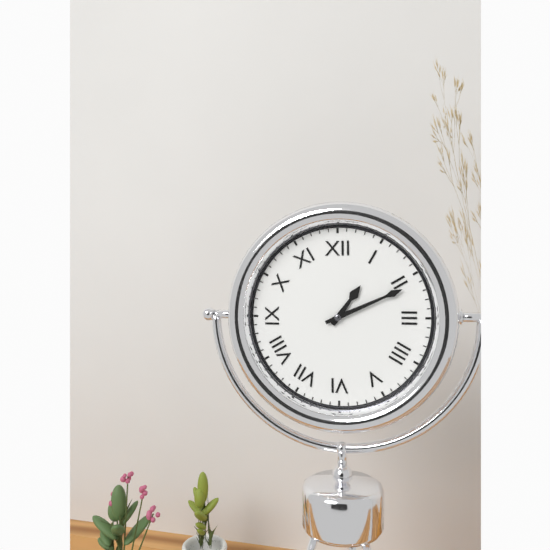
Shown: h=1 m=11
